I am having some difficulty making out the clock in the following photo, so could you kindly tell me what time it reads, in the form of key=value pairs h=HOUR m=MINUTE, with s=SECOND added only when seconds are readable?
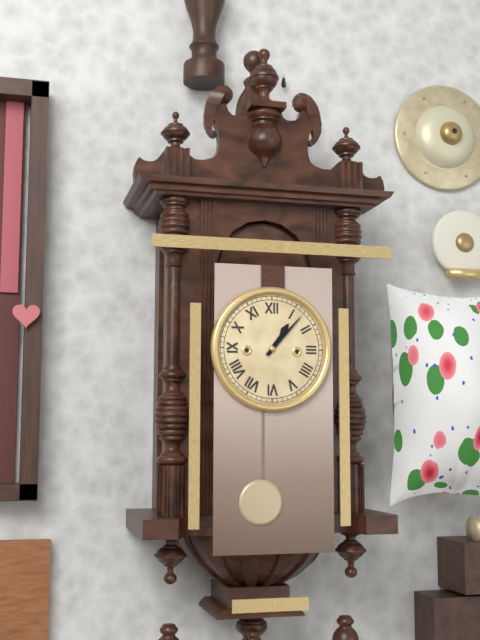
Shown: h=1 m=7
